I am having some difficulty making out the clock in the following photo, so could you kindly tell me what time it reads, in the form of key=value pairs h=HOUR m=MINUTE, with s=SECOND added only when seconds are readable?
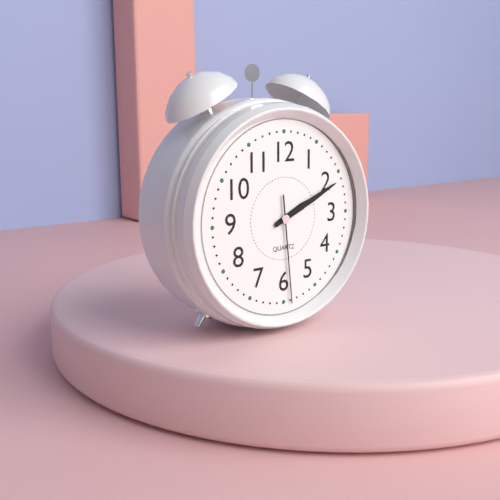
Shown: h=2 m=11 s=29
